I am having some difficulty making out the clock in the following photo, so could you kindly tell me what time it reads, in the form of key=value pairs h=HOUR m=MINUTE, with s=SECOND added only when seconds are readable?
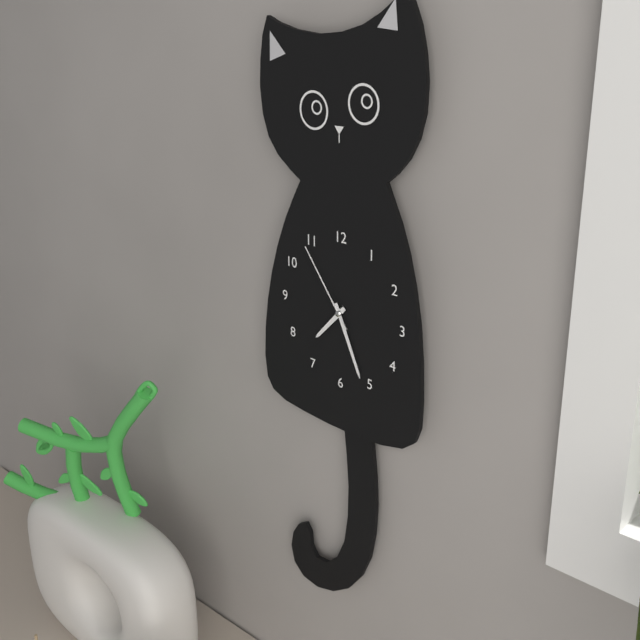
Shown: h=7 m=26 s=54
